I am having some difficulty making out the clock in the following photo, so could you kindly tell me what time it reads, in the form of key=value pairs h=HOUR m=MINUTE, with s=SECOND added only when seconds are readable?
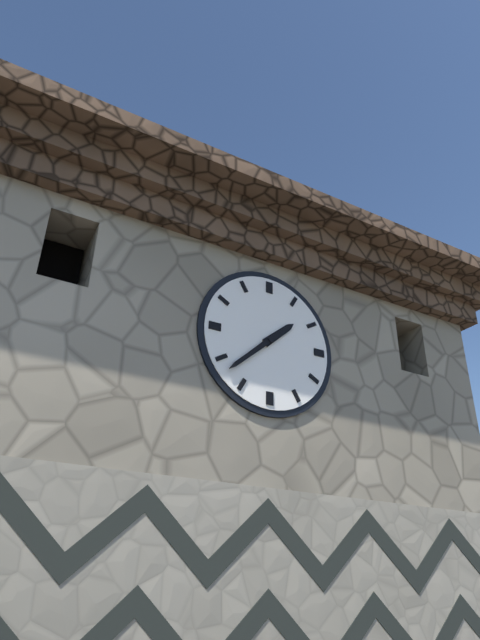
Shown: h=1 m=38
